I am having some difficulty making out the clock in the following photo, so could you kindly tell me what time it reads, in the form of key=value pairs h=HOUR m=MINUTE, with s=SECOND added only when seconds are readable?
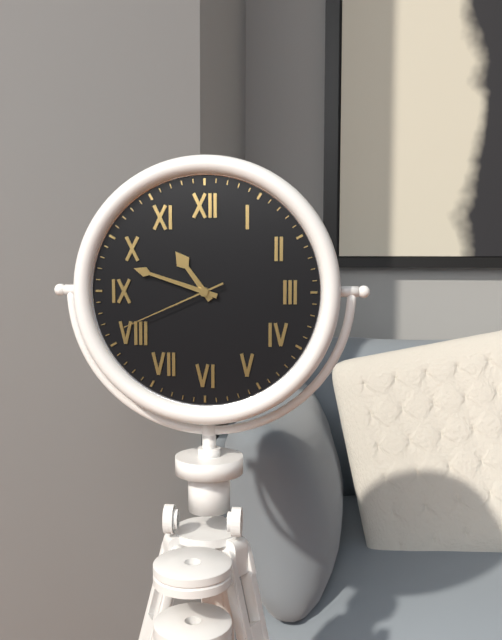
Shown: h=10 m=48 s=41
